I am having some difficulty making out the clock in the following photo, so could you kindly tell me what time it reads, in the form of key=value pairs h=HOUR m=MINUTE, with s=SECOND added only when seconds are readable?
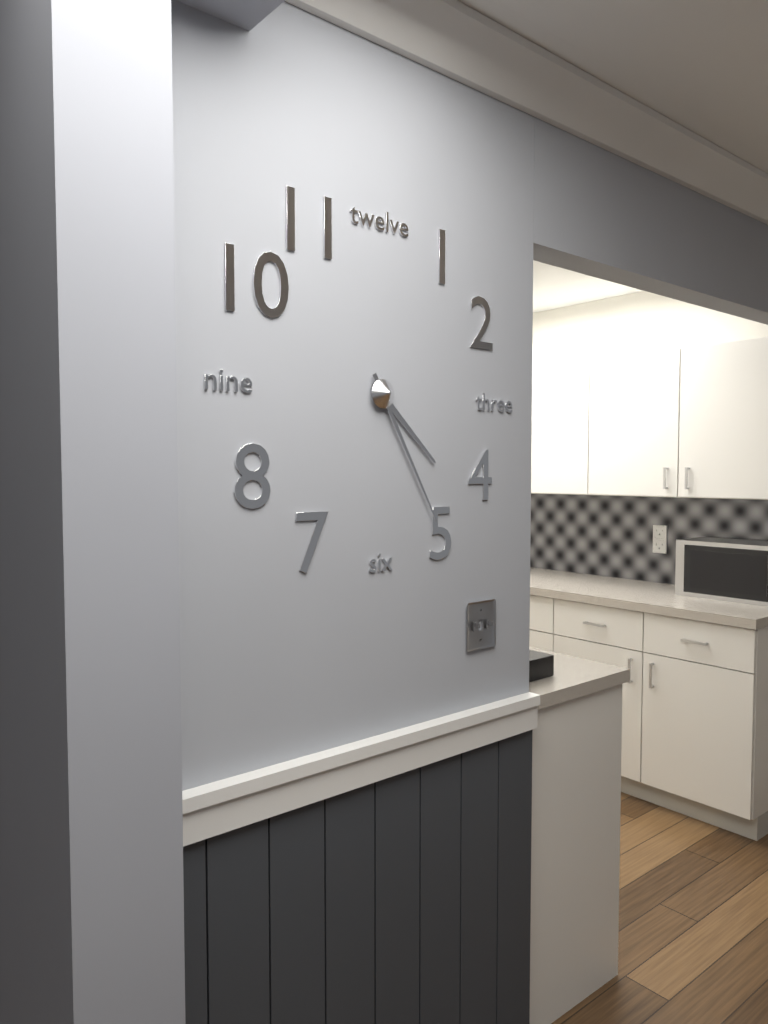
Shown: h=4 m=25
